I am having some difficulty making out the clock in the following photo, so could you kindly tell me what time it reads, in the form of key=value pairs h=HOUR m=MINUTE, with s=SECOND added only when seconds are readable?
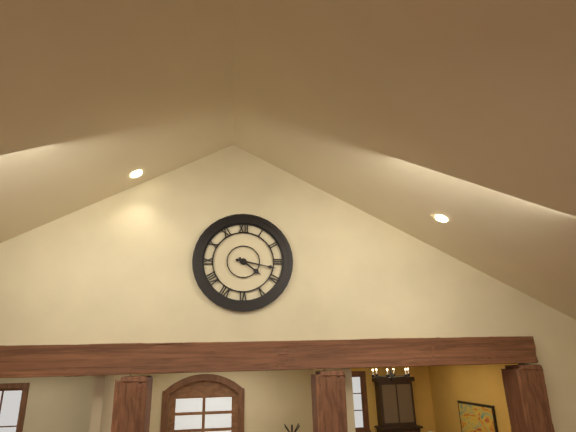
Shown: h=4 m=17
